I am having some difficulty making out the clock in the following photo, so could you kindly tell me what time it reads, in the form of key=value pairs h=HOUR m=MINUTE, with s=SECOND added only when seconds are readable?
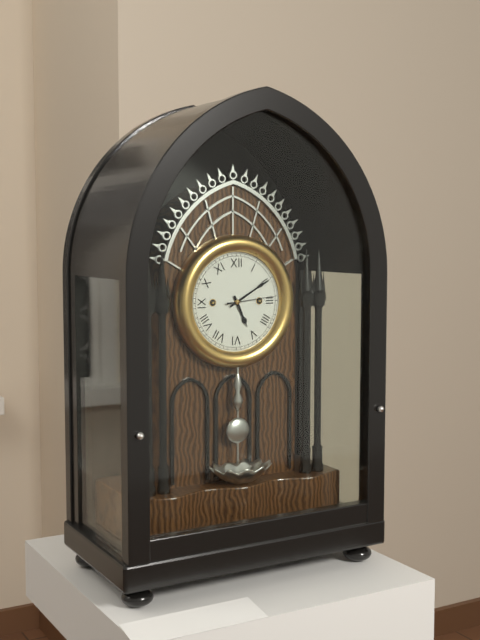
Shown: h=5 m=10
